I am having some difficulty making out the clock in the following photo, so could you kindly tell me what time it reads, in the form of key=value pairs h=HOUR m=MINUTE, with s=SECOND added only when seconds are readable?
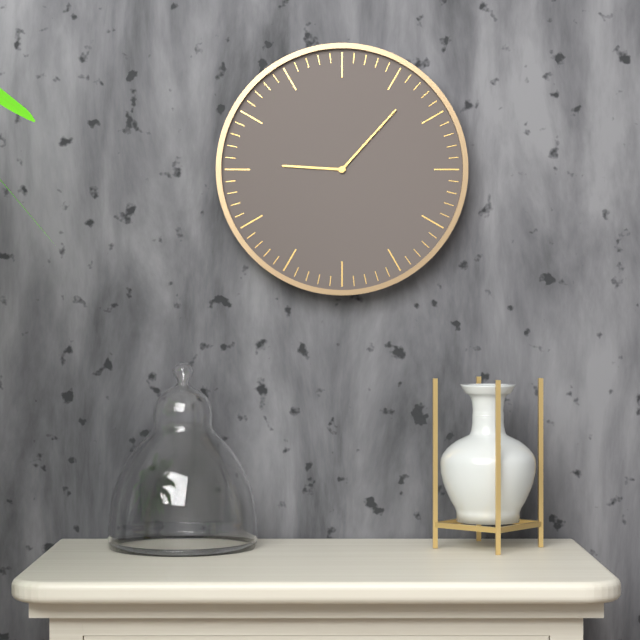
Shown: h=9 m=7
